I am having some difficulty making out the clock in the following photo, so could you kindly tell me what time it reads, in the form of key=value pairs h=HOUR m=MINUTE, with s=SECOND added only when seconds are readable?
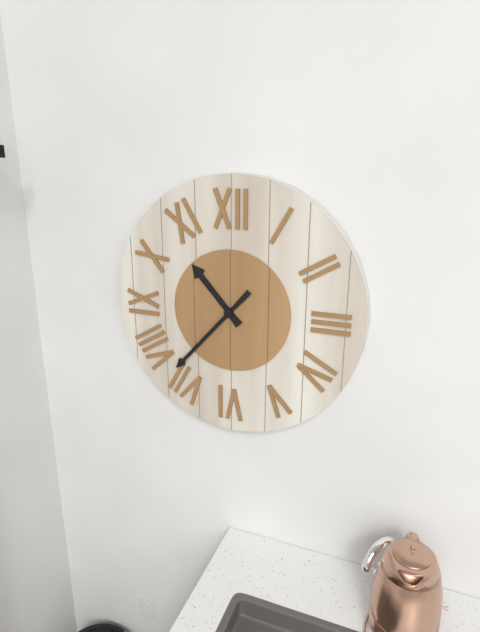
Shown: h=10 m=37
